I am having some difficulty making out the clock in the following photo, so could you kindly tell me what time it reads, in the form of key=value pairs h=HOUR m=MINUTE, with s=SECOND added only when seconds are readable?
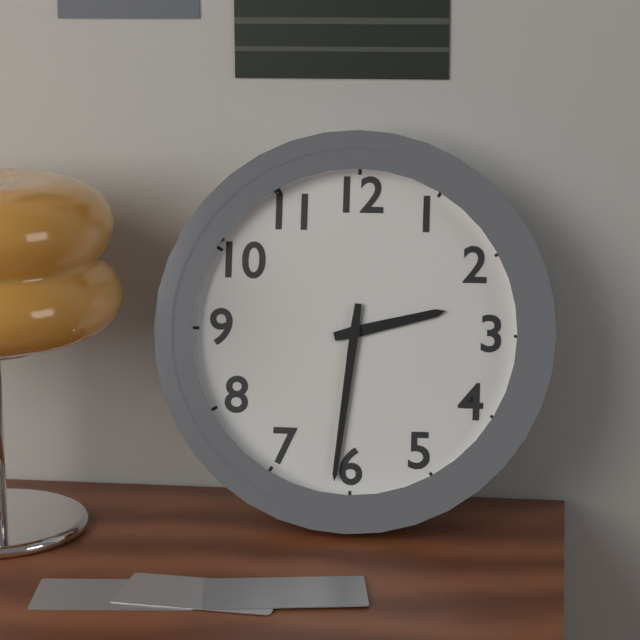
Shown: h=2 m=31
